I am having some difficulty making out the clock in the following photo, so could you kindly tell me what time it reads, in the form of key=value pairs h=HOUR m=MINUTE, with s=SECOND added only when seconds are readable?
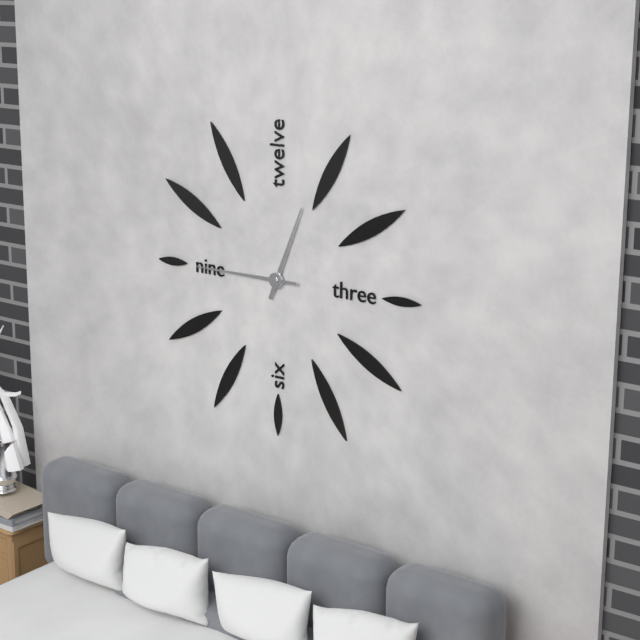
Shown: h=12 m=45
